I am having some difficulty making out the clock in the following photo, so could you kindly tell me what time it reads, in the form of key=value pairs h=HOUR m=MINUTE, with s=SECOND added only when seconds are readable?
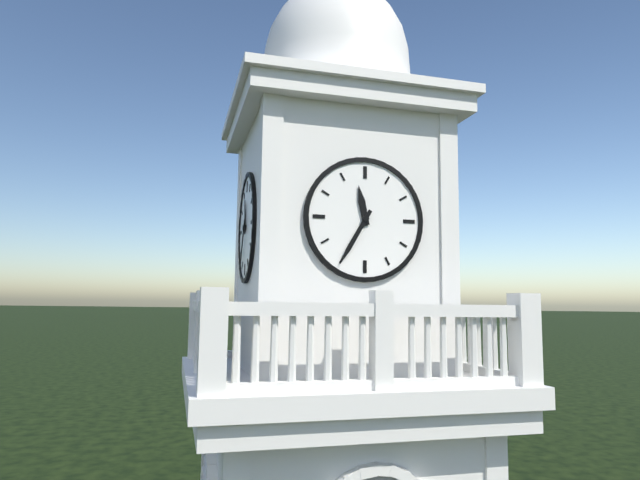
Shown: h=11 m=35
